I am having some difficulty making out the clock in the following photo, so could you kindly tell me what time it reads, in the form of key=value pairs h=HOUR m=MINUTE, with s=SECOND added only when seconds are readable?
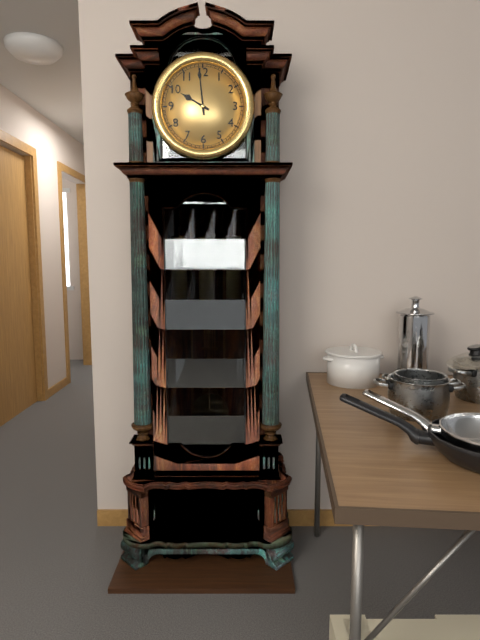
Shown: h=9 m=59
